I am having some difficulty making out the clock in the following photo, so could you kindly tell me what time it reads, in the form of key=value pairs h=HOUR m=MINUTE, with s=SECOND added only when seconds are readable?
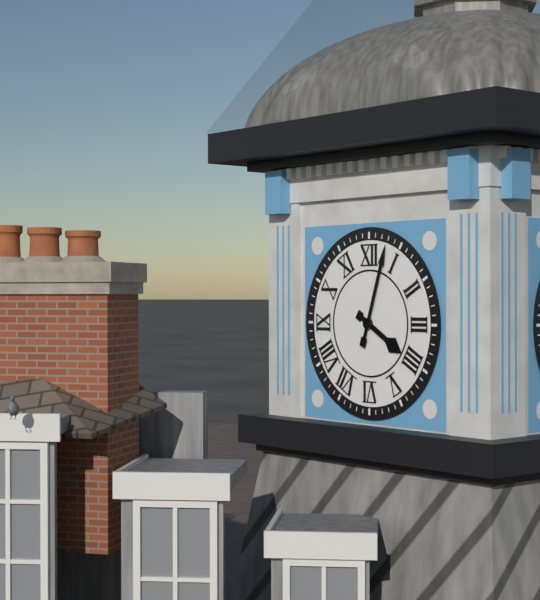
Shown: h=4 m=3
